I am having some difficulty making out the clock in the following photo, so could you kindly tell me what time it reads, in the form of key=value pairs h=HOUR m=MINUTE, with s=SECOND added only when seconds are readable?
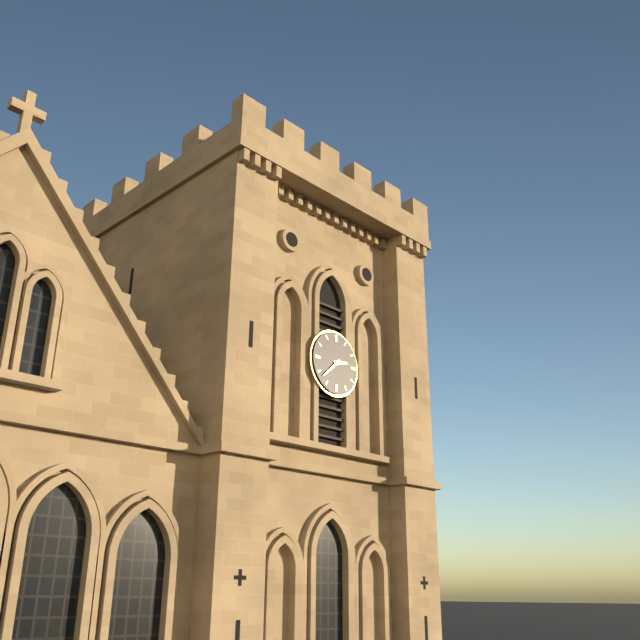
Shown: h=2 m=38
